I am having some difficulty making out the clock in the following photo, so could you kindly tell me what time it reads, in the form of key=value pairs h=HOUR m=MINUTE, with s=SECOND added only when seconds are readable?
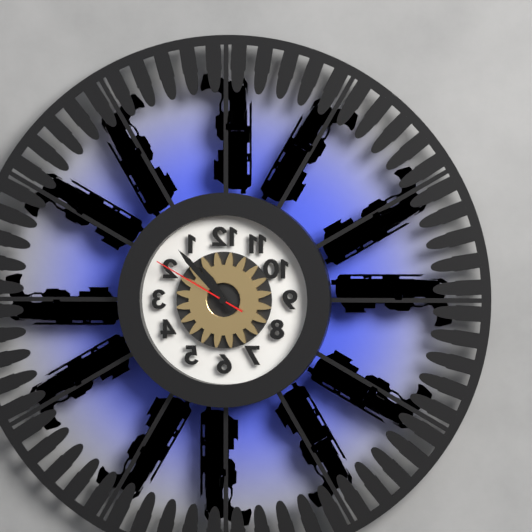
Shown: h=10 m=53 s=50
